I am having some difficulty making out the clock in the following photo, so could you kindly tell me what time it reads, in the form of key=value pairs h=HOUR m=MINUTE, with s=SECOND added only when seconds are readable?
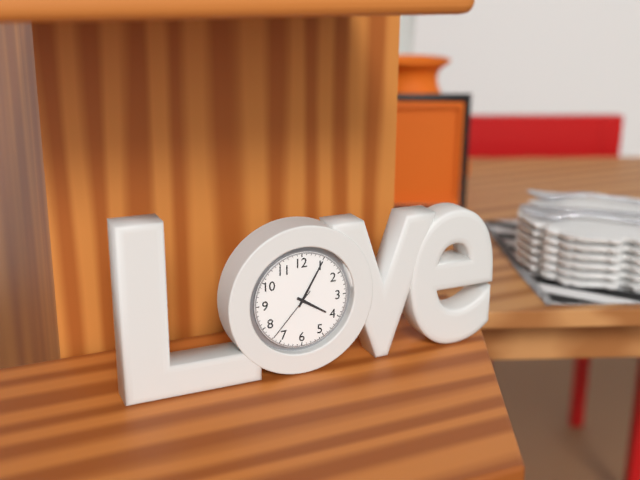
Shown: h=4 m=5 s=37
